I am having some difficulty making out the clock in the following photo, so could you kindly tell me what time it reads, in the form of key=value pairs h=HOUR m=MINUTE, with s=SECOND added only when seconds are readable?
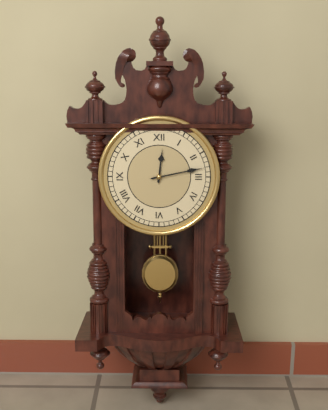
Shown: h=12 m=13
